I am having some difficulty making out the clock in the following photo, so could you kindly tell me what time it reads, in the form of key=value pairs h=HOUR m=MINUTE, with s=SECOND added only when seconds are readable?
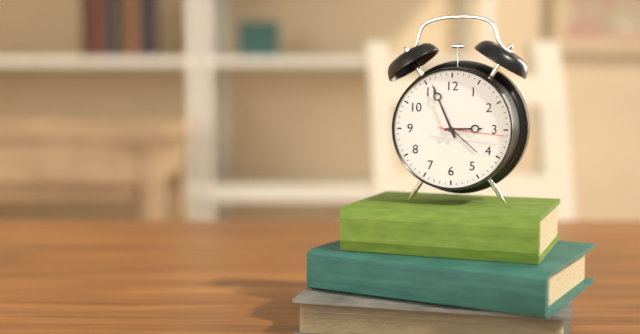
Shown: h=2 m=56 s=16
